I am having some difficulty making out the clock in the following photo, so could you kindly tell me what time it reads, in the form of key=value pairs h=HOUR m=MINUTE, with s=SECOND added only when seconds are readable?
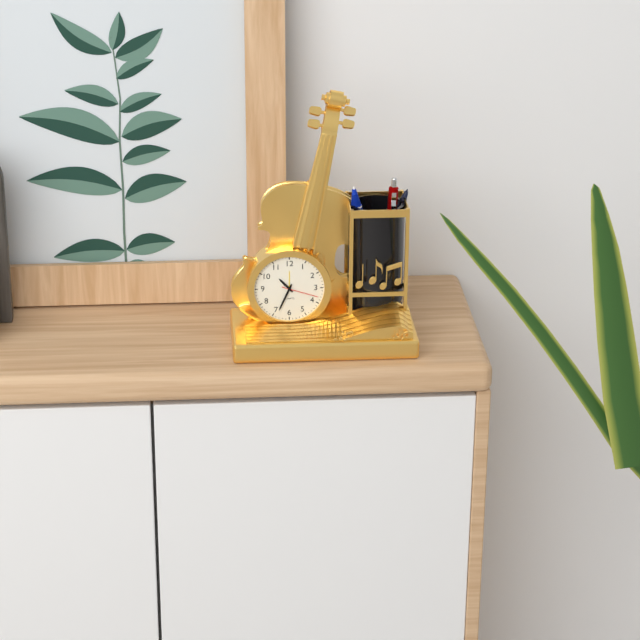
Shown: h=10 m=34
